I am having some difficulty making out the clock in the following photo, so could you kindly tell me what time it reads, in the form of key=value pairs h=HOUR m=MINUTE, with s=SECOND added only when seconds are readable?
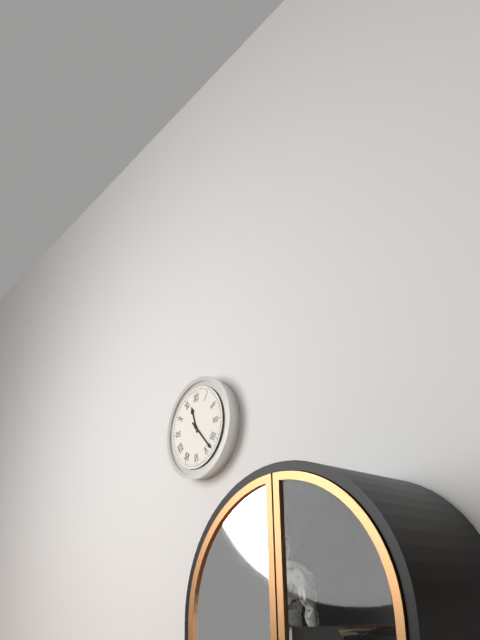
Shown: h=11 m=23
